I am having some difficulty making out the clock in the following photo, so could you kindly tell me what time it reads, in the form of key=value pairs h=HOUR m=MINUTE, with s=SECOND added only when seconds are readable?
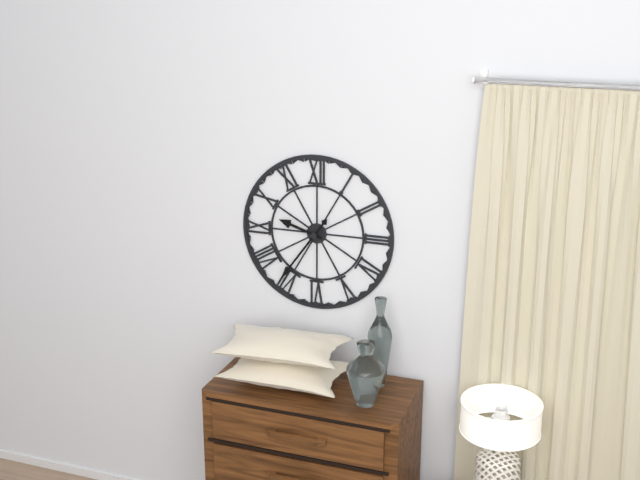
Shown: h=9 m=36
